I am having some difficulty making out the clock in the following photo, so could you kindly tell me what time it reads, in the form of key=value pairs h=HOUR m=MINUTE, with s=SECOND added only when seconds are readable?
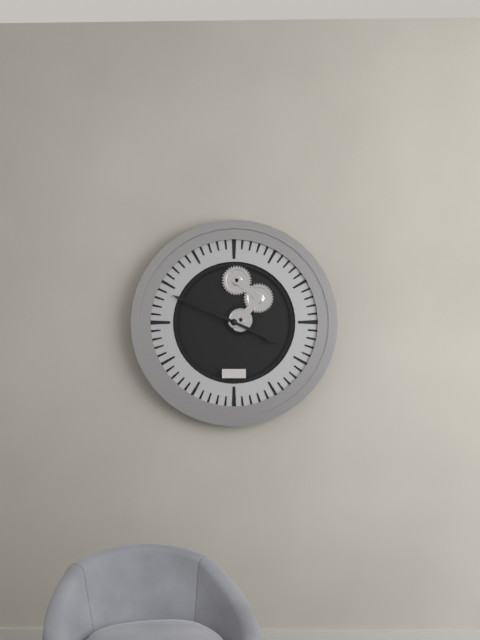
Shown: h=3 m=49
